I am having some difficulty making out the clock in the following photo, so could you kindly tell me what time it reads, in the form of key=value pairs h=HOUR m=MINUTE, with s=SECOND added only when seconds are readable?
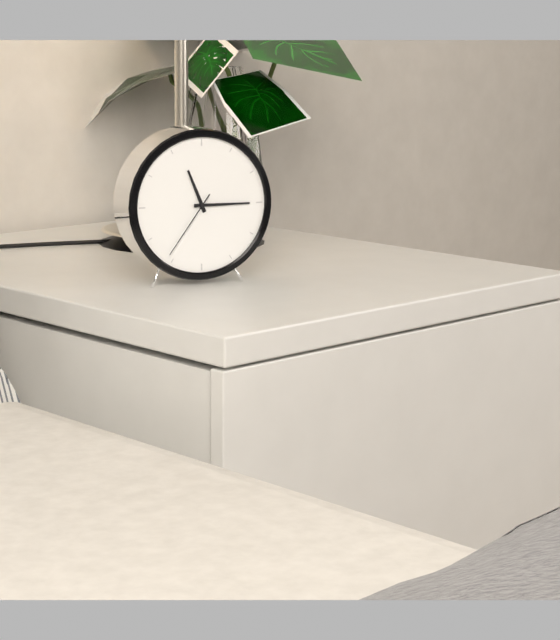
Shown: h=11 m=15 s=36
